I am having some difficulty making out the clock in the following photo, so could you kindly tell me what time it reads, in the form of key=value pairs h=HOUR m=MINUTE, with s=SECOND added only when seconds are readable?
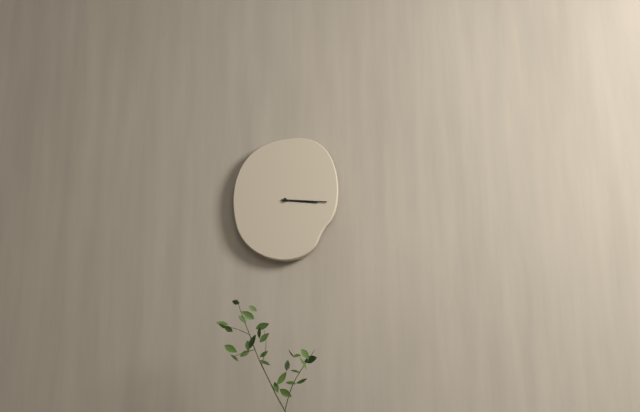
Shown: h=3 m=16
